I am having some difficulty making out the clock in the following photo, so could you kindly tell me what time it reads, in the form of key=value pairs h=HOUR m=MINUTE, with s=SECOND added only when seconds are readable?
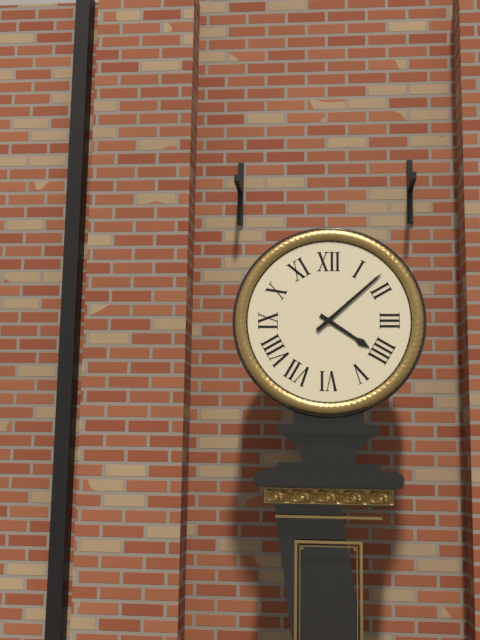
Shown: h=4 m=8
